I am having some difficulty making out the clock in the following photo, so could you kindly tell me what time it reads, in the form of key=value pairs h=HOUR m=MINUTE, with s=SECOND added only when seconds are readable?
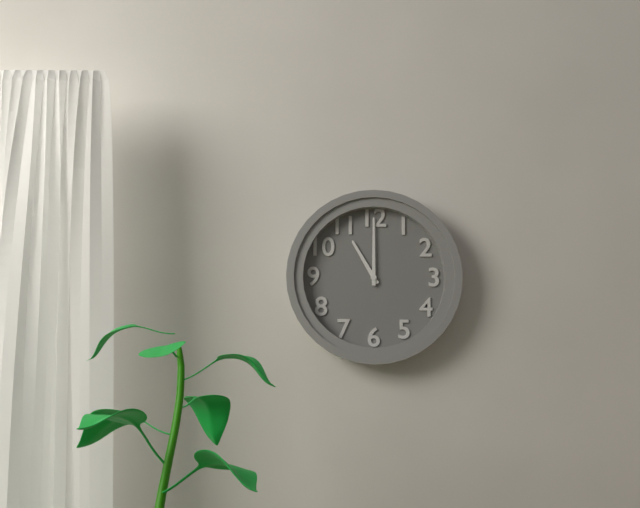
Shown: h=11 m=0
